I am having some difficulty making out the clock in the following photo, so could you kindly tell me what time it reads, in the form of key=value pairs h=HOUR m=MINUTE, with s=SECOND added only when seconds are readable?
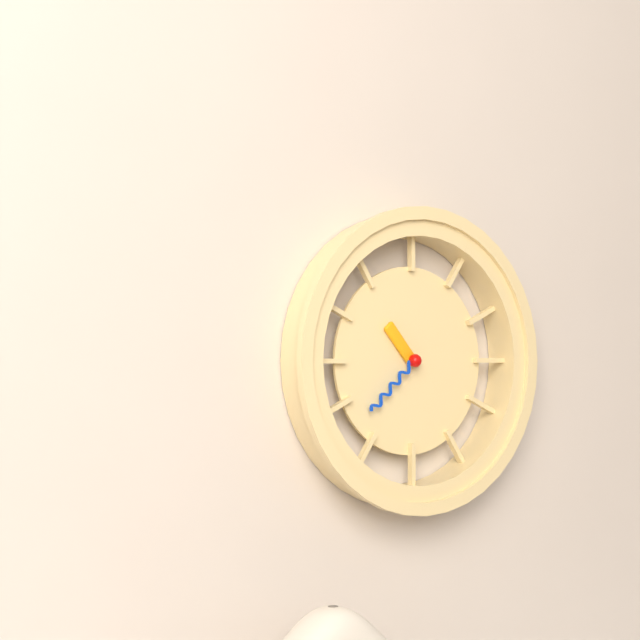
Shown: h=10 m=38
